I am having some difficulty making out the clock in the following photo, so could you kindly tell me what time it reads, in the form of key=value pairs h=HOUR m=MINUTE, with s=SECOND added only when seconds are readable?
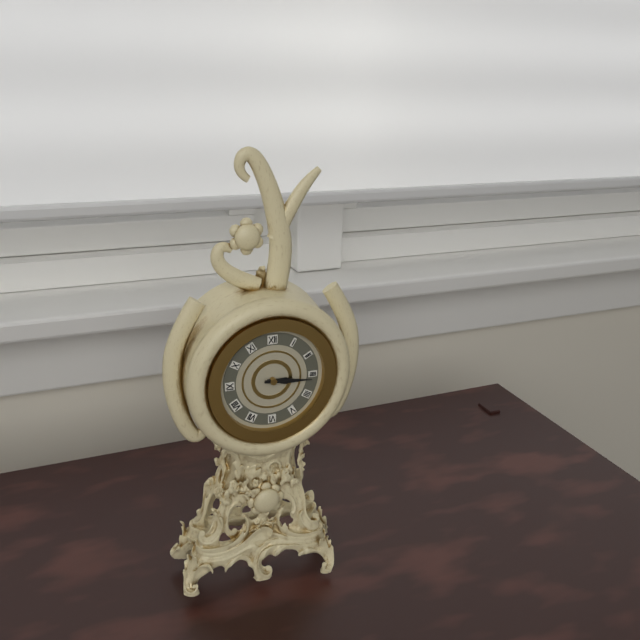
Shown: h=3 m=16
